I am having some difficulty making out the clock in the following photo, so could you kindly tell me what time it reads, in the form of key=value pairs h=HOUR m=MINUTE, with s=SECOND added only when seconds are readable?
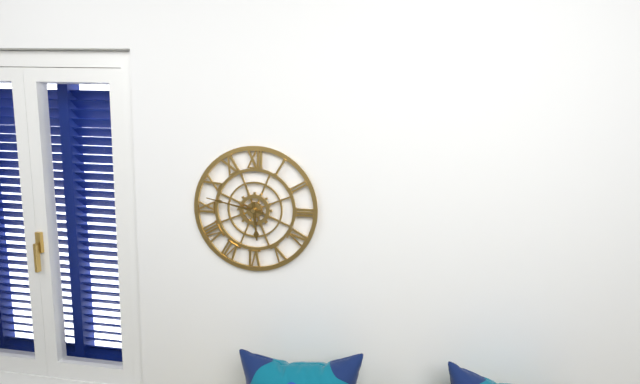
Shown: h=5 m=47
